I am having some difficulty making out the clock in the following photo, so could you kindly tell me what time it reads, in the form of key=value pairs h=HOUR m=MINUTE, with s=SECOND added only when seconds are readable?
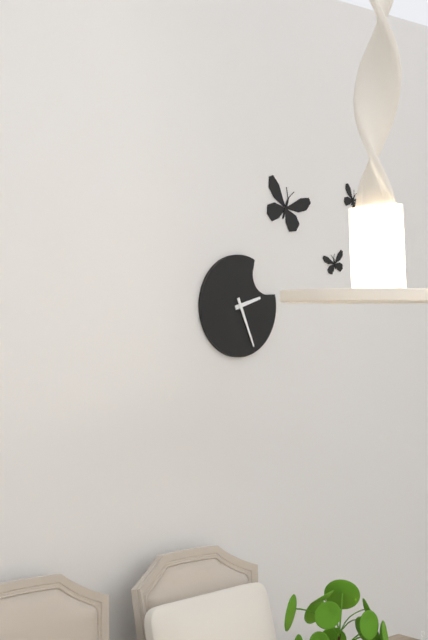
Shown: h=2 m=26
